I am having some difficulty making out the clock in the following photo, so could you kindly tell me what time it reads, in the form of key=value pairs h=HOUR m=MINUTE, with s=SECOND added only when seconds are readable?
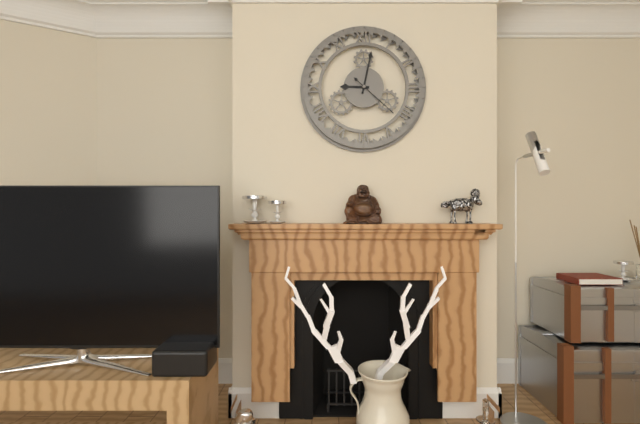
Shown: h=9 m=2
